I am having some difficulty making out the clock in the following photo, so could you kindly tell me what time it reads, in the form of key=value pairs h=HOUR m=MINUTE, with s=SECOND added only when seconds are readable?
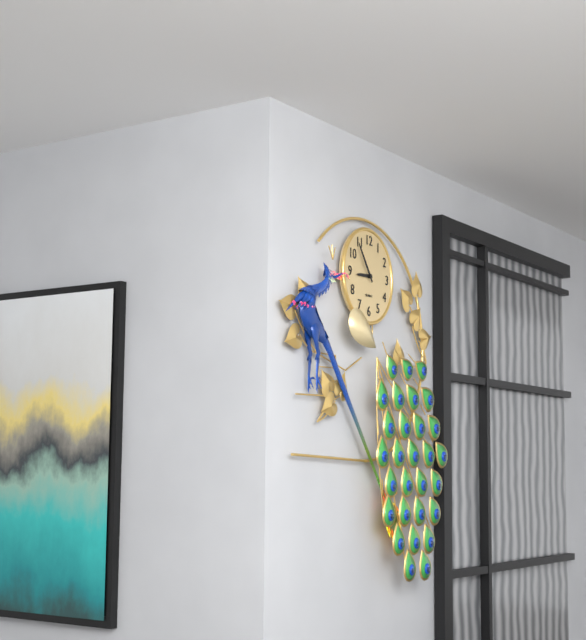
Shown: h=8 m=54
